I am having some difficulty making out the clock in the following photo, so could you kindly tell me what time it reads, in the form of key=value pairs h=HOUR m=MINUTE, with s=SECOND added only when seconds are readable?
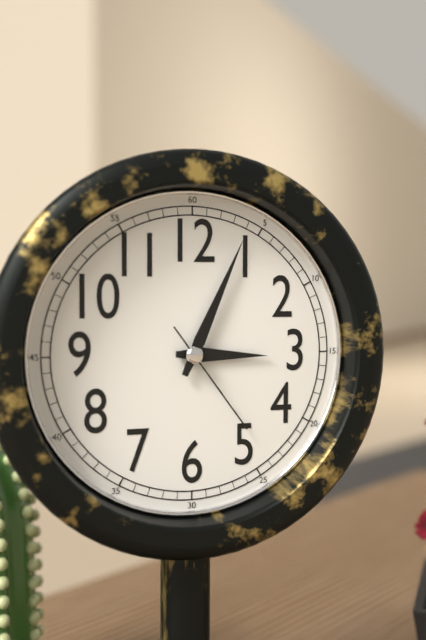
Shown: h=3 m=4 s=24
